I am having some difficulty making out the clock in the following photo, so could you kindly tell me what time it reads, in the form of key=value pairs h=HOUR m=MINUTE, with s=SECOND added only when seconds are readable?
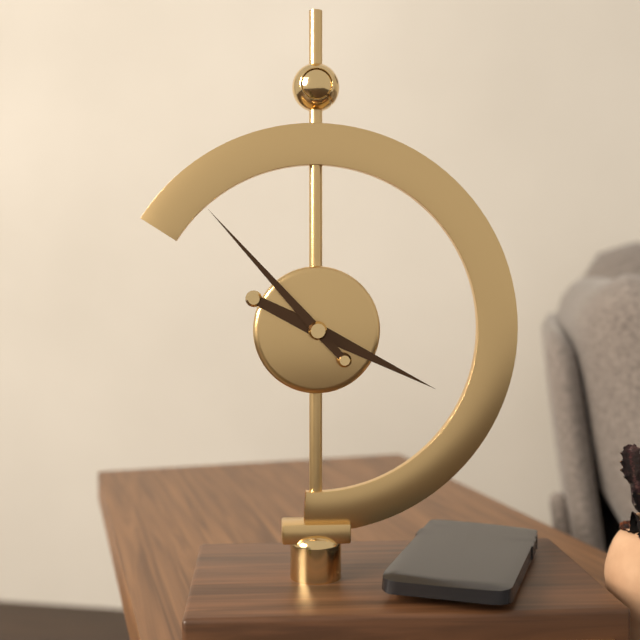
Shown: h=3 m=53
